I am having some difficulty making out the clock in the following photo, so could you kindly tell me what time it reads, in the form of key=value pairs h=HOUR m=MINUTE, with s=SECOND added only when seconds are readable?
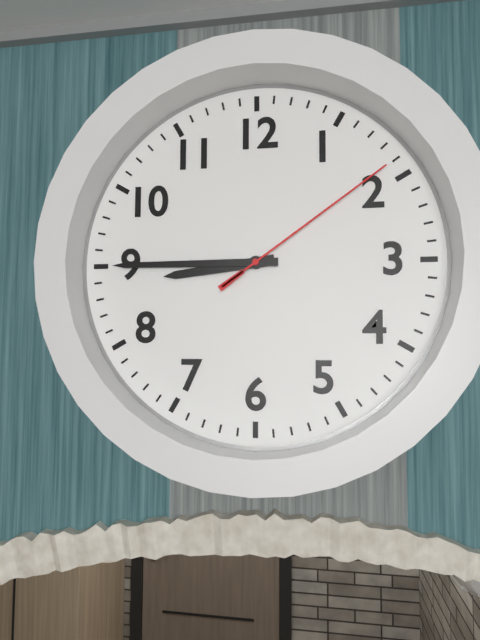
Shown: h=8 m=45 s=9
